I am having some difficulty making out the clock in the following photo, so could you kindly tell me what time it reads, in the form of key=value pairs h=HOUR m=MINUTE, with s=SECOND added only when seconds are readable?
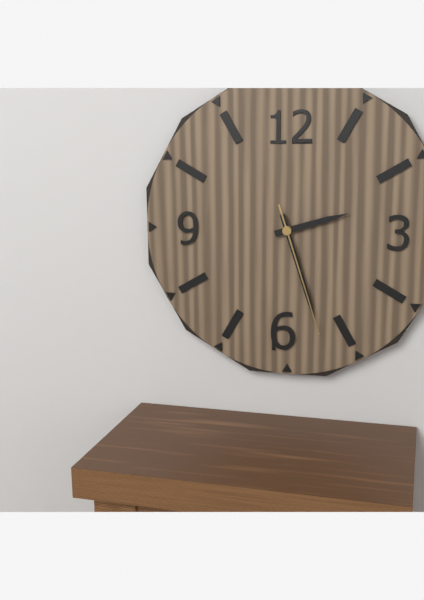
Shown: h=2 m=27 s=27
